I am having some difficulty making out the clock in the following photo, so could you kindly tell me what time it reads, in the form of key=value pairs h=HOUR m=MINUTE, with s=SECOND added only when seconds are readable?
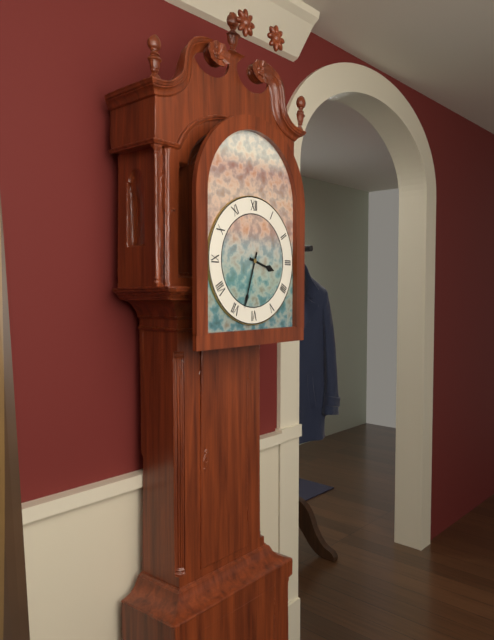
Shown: h=3 m=33
